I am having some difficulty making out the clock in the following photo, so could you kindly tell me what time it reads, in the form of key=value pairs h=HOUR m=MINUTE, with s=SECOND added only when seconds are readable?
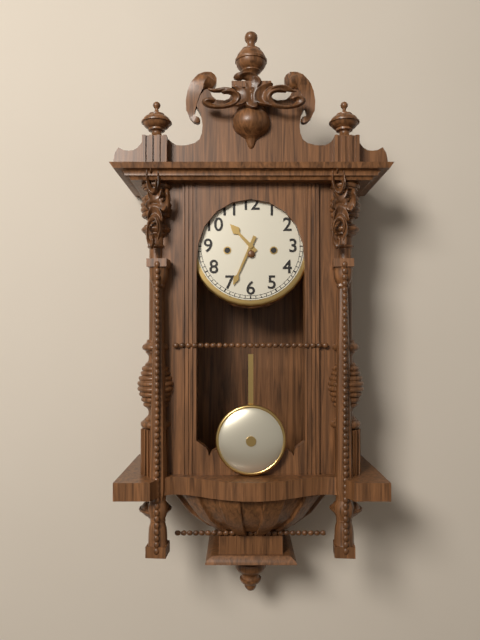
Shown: h=10 m=34
